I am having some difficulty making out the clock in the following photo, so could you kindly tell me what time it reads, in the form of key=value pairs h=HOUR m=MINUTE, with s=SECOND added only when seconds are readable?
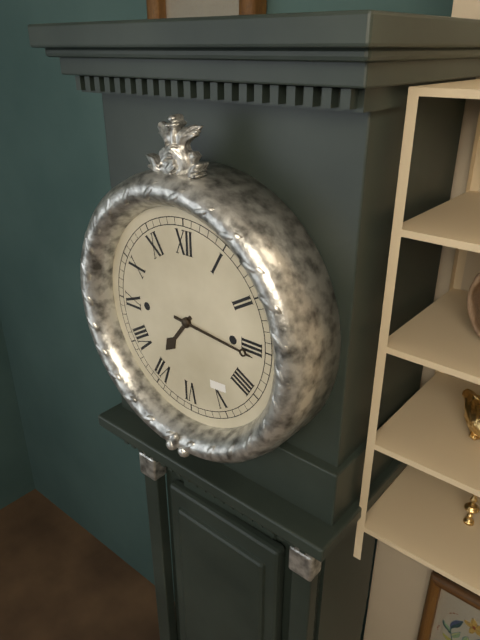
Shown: h=7 m=16
